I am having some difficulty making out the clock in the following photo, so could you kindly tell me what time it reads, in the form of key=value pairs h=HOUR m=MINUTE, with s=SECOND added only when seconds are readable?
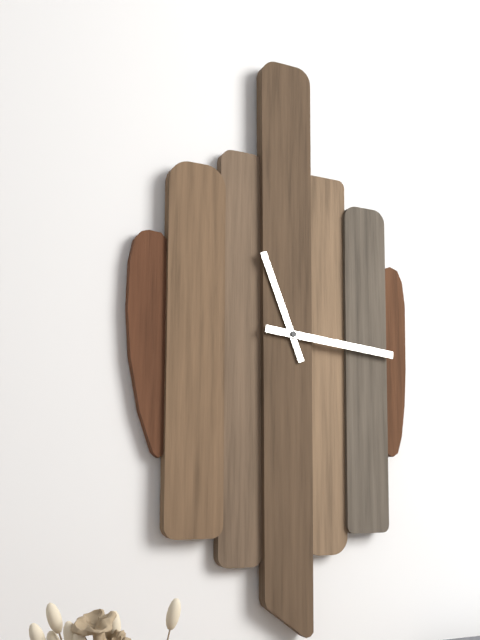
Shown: h=11 m=16
